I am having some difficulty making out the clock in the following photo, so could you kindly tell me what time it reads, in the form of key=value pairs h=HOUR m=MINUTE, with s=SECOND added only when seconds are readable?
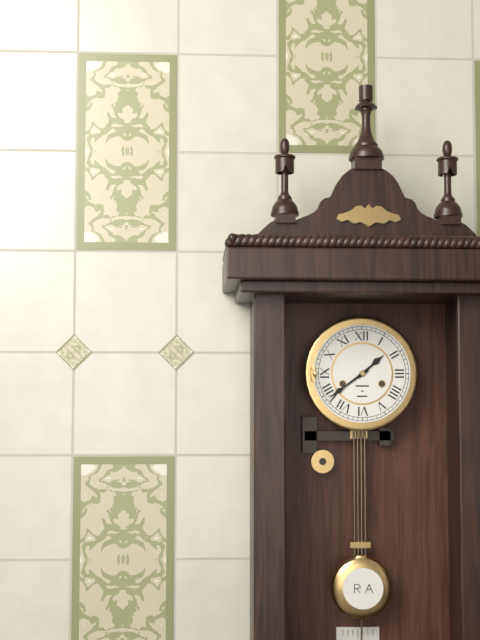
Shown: h=1 m=39
